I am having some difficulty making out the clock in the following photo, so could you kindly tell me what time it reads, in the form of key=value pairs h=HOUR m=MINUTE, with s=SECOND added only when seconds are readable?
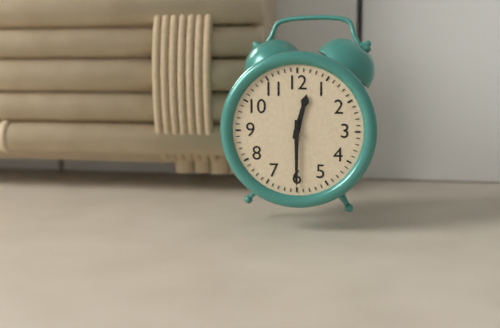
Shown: h=12 m=30
